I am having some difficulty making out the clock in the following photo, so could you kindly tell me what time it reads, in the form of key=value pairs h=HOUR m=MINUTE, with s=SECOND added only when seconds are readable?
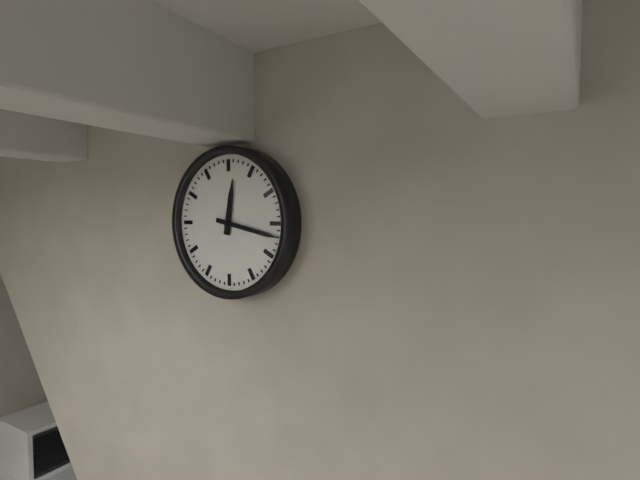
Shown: h=12 m=17
